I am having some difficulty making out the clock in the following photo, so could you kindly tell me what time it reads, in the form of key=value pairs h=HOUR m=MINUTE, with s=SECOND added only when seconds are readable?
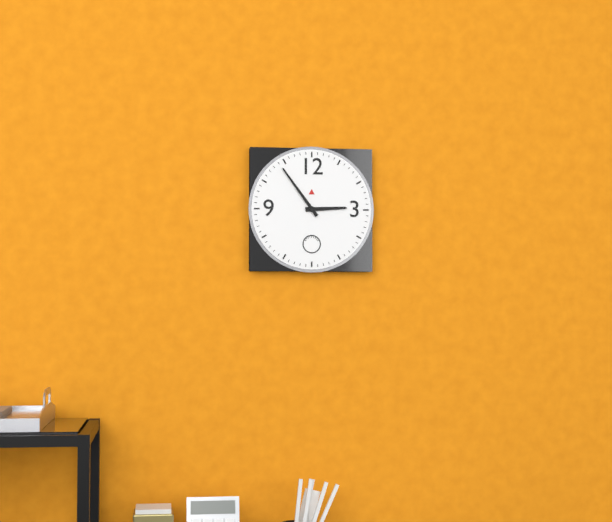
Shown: h=2 m=54
